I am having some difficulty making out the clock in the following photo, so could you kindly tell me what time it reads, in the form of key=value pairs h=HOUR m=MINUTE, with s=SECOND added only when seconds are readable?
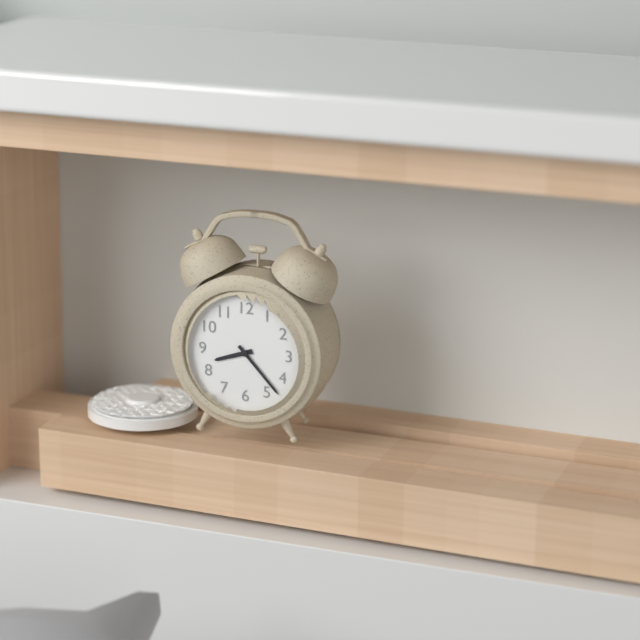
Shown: h=8 m=23
